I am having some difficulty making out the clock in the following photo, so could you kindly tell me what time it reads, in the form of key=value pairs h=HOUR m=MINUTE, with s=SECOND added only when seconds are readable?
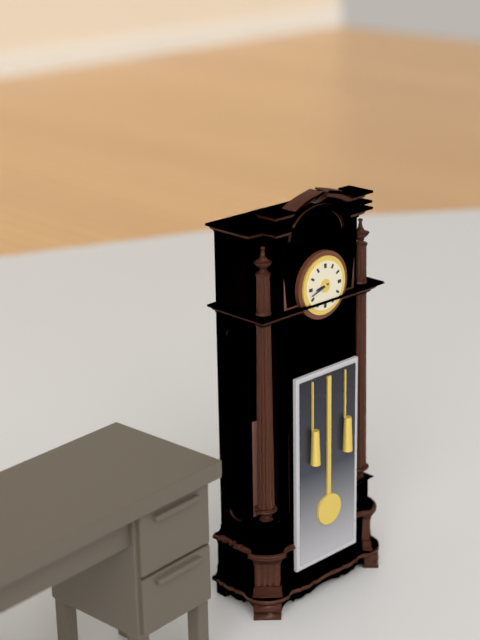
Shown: h=8 m=42
